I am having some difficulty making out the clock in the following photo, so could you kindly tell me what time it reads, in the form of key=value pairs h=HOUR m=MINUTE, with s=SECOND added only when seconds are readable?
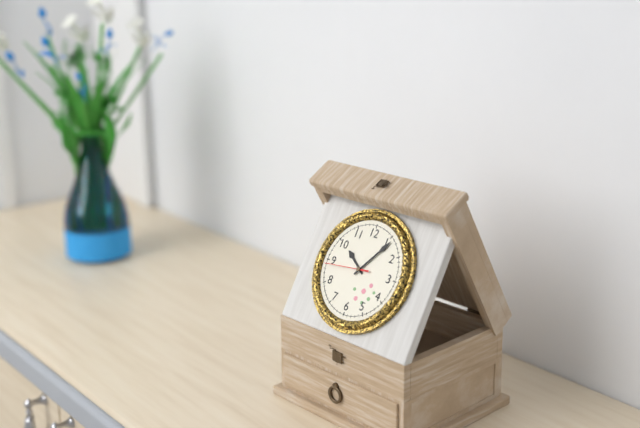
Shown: h=10 m=6
